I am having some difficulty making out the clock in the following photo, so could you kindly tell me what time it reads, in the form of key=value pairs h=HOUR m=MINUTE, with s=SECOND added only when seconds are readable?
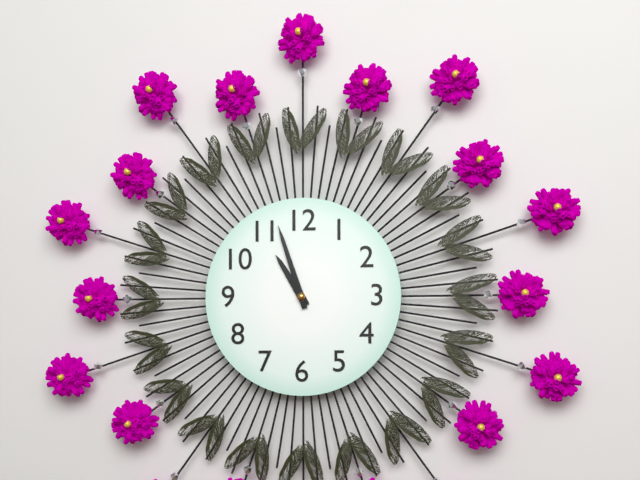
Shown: h=10 m=57
